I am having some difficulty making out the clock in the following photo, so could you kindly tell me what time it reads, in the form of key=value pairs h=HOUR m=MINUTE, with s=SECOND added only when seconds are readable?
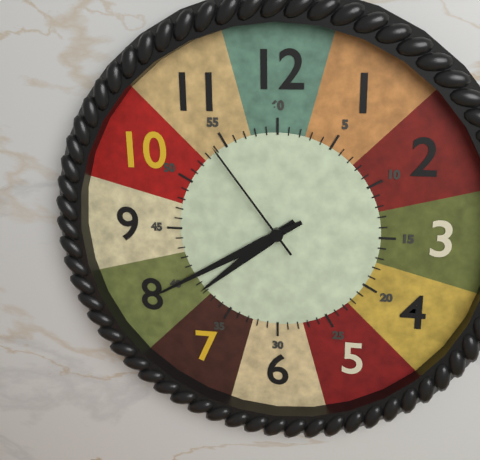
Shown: h=7 m=40 s=54
